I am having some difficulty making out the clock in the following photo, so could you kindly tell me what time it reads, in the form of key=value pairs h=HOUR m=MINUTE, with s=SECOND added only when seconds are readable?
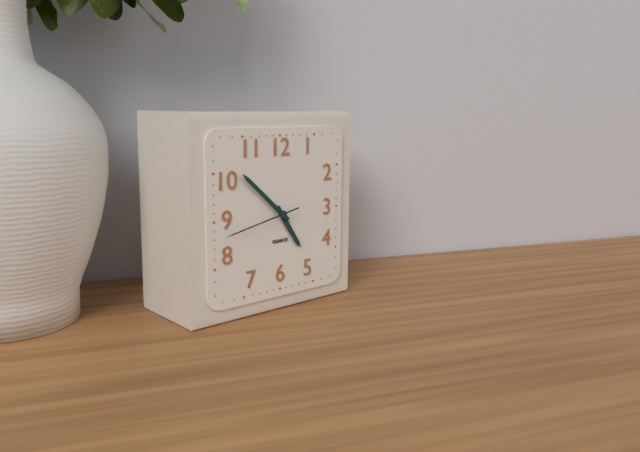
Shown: h=4 m=52 s=43
